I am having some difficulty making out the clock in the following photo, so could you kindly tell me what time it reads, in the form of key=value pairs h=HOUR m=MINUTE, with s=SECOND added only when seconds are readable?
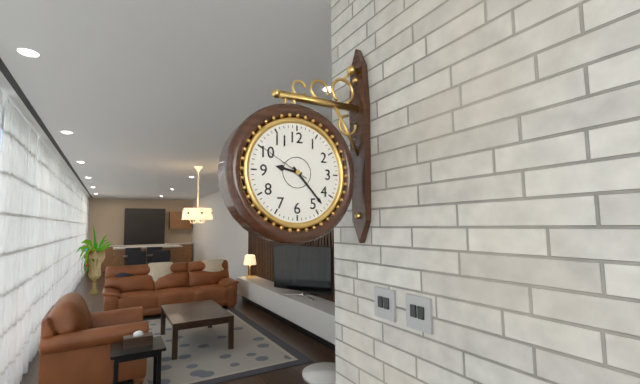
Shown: h=9 m=23 s=50
